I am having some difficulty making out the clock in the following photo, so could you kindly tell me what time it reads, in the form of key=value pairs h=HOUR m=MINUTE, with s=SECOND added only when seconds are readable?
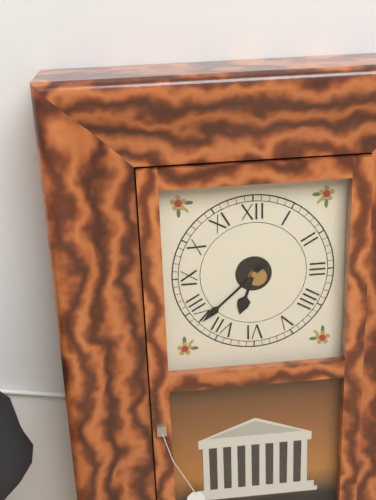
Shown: h=6 m=38
